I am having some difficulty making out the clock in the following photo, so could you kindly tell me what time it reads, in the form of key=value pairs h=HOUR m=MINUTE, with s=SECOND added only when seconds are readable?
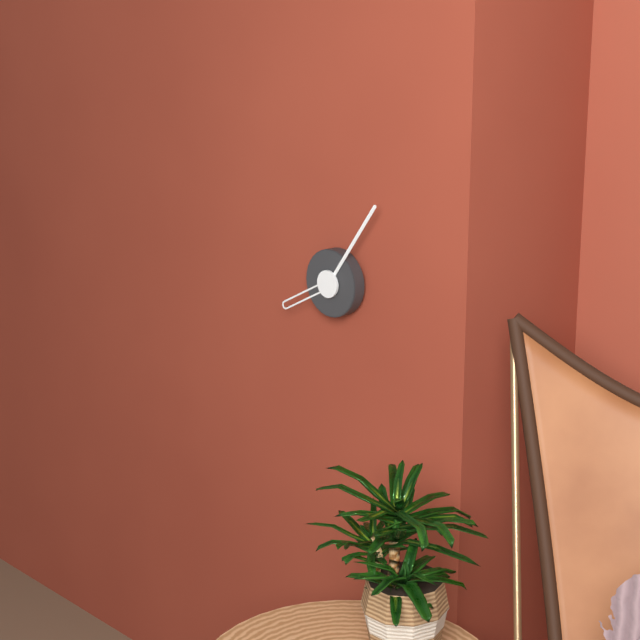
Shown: h=8 m=6
